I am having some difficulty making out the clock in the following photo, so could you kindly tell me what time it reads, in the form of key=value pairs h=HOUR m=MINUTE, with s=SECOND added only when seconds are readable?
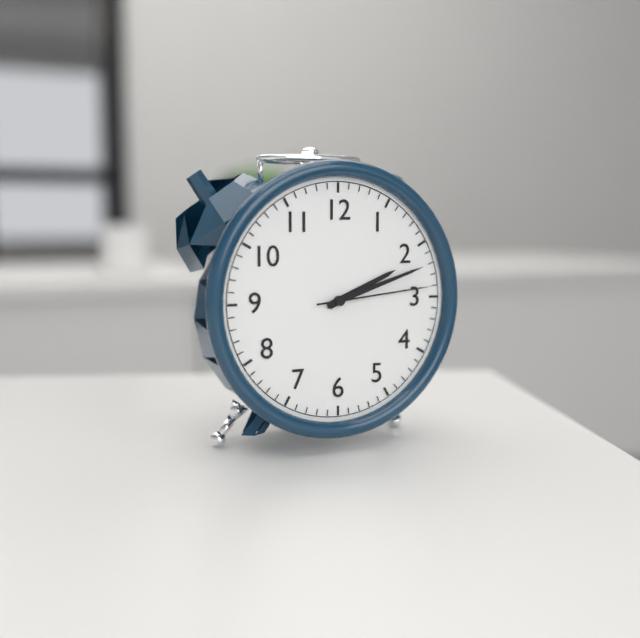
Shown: h=2 m=12 s=14
